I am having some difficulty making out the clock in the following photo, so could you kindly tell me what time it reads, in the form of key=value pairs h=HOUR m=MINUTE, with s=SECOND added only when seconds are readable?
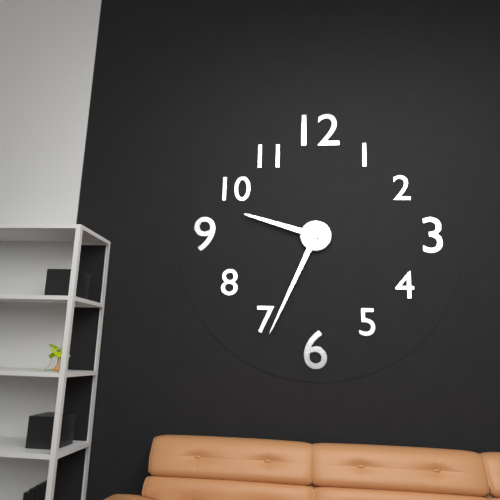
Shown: h=9 m=34
